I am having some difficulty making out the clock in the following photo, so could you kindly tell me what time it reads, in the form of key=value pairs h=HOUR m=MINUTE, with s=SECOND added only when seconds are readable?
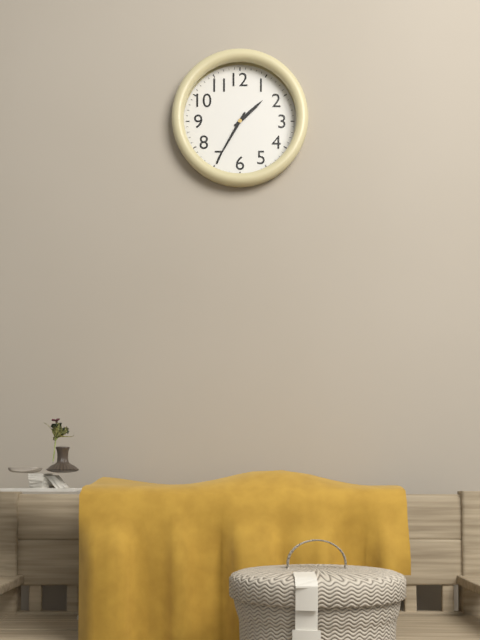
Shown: h=1 m=35
